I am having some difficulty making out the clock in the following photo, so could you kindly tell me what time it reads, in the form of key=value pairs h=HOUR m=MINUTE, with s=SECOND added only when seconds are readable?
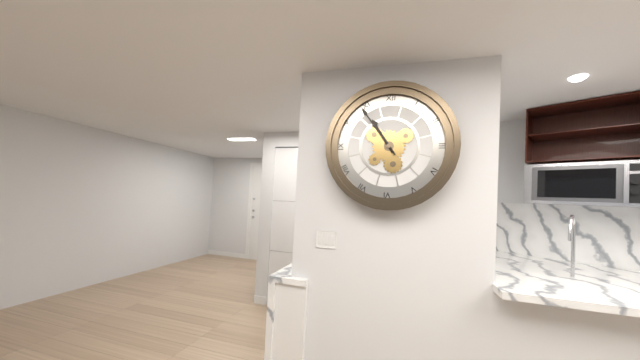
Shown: h=10 m=54
